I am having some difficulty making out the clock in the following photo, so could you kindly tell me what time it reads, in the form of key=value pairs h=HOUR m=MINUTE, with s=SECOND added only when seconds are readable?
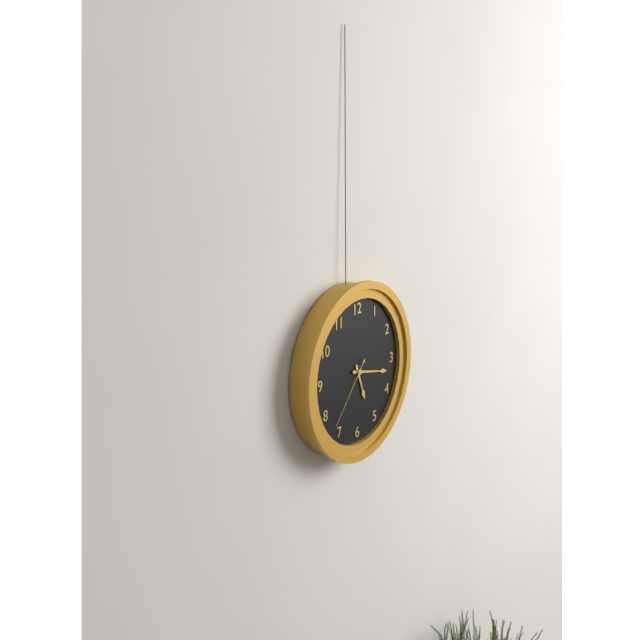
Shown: h=5 m=17 s=37
